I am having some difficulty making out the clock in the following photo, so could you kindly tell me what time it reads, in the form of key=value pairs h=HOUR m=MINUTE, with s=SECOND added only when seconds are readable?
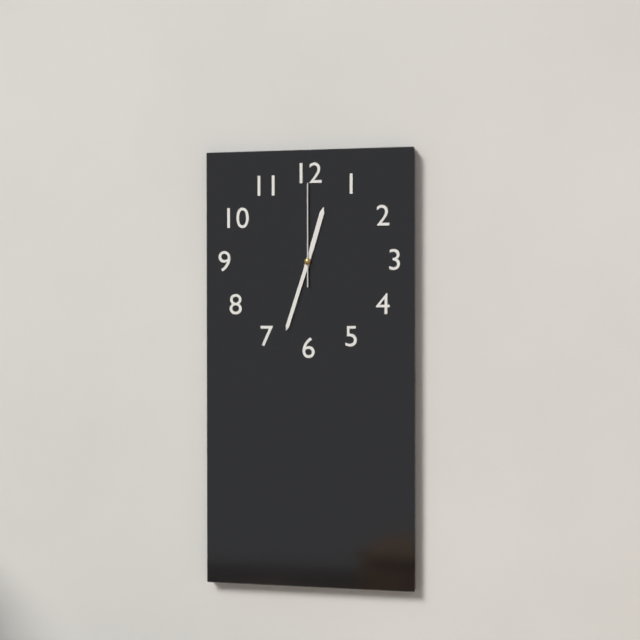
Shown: h=12 m=33 s=0
